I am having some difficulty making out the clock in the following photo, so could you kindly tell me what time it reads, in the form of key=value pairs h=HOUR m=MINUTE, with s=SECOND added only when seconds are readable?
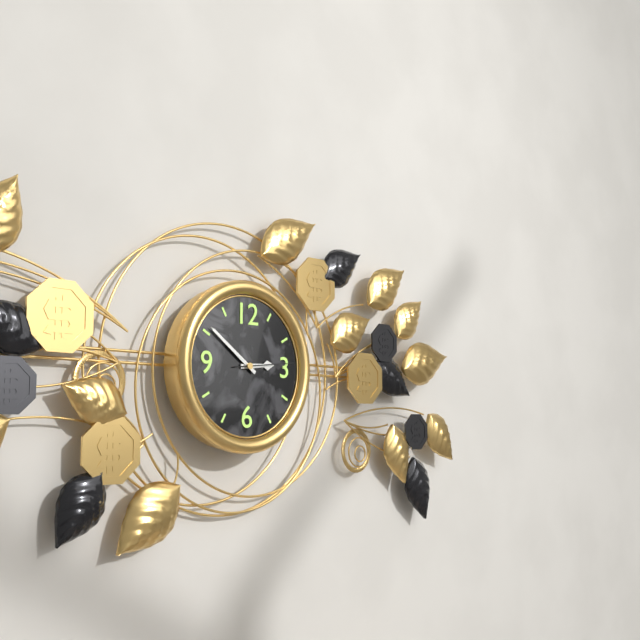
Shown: h=2 m=51 s=14
